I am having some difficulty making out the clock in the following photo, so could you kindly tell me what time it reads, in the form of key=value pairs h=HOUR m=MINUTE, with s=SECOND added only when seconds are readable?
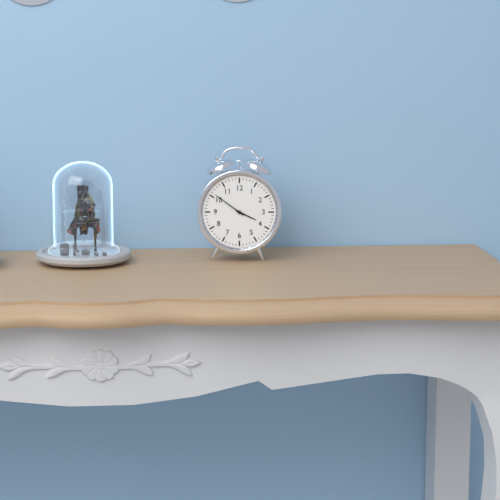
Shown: h=3 m=51
